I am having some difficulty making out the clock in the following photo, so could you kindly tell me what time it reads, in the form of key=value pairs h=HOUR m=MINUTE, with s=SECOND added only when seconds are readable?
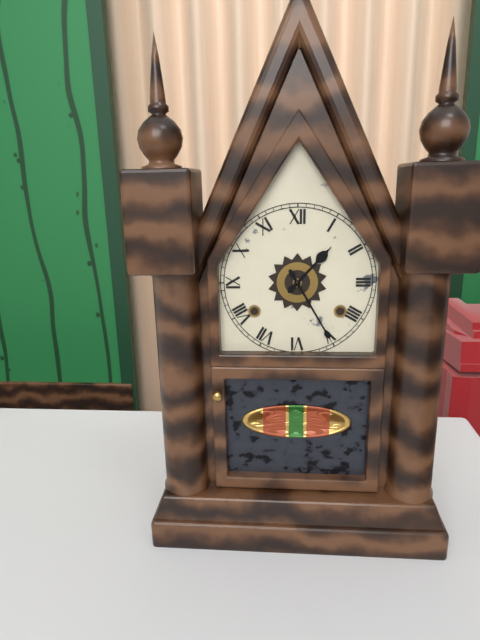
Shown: h=1 m=25
